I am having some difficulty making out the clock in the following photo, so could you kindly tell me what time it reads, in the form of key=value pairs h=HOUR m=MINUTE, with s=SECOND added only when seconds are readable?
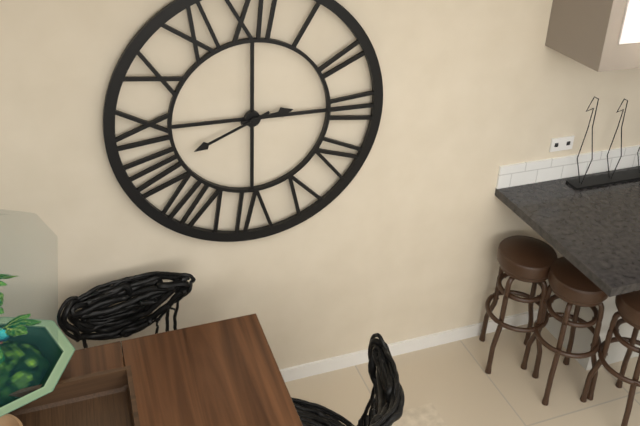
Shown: h=2 m=41
